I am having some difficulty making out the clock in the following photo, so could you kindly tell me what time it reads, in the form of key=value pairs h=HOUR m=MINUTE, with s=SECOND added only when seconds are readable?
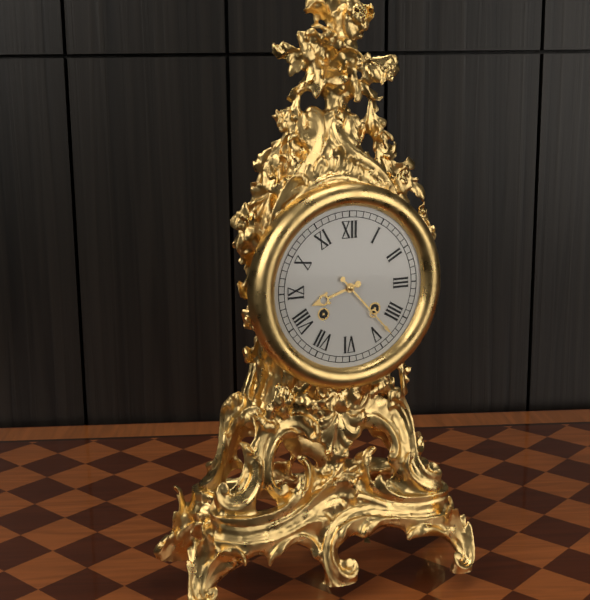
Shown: h=8 m=23
